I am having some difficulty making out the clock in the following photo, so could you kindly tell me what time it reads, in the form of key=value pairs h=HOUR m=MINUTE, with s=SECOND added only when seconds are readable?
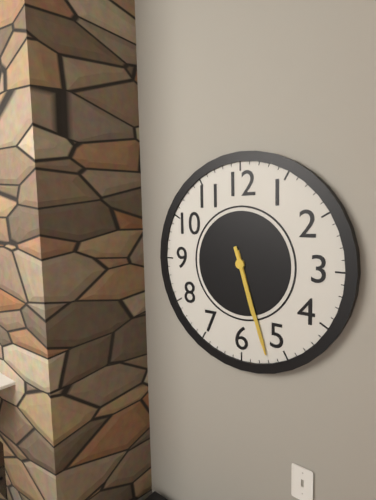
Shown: h=5 m=27
